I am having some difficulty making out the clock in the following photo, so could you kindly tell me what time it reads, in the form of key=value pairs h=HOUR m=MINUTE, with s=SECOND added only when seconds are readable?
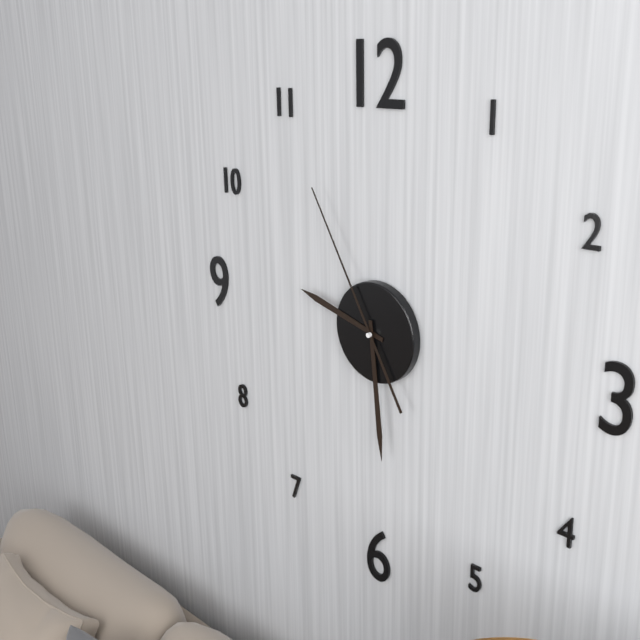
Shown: h=9 m=29 s=55
